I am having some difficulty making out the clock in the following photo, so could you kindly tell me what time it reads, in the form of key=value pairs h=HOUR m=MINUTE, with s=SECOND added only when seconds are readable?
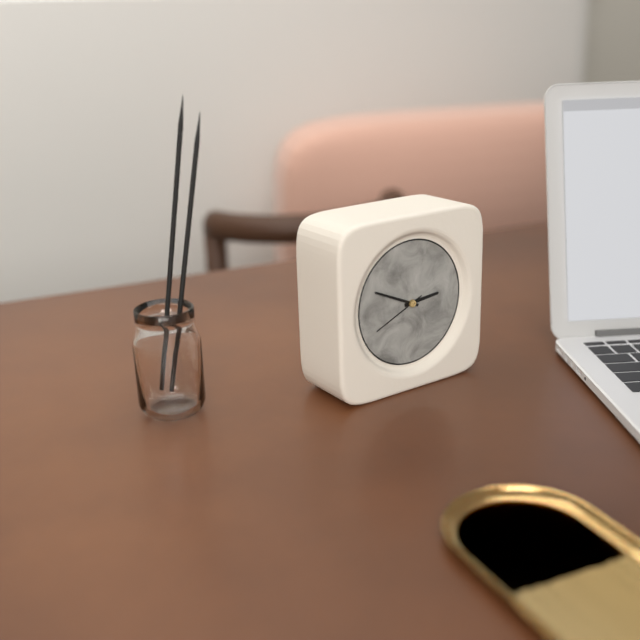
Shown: h=2 m=49 s=41
